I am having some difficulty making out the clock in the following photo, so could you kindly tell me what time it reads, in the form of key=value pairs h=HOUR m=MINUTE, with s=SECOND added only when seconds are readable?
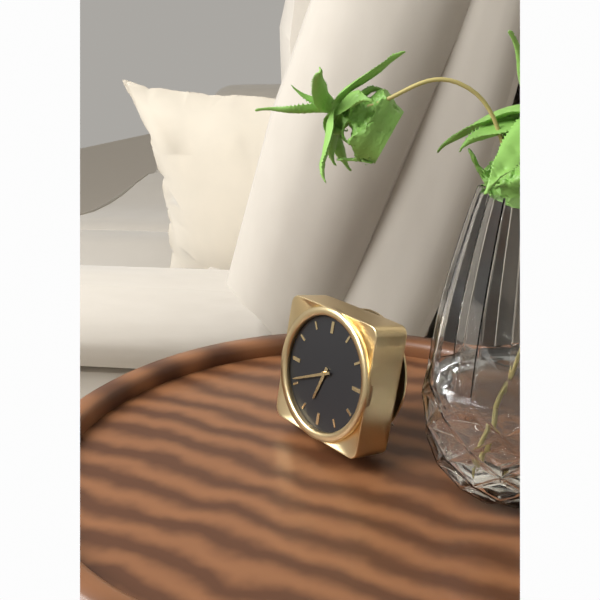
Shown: h=6 m=41
